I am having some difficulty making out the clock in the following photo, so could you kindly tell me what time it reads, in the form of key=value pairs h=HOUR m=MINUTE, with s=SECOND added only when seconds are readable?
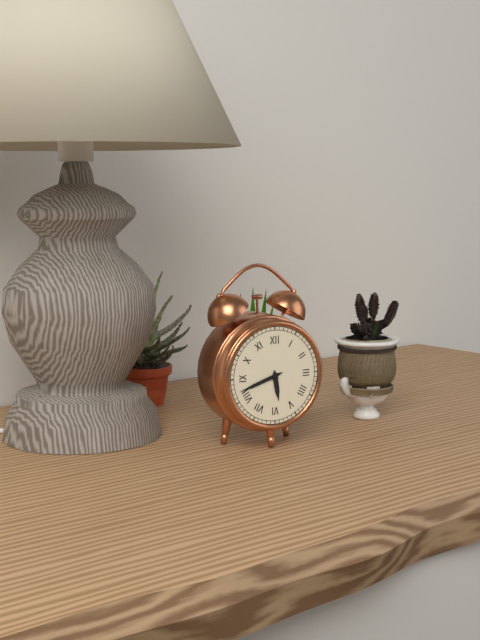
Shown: h=5 m=42
